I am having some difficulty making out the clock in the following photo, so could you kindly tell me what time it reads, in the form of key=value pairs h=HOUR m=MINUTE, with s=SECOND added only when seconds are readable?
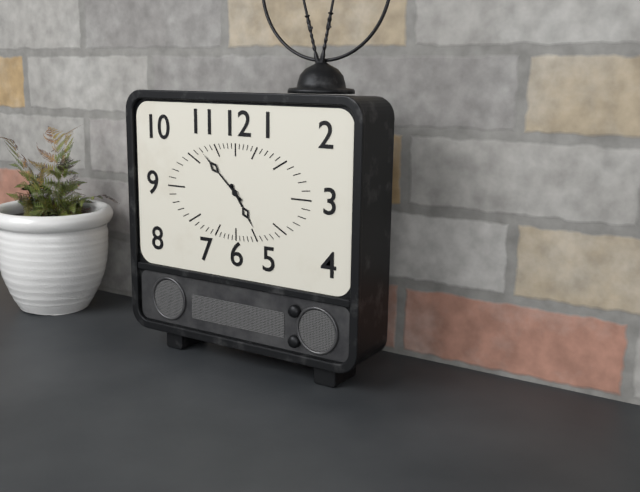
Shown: h=4 m=52
